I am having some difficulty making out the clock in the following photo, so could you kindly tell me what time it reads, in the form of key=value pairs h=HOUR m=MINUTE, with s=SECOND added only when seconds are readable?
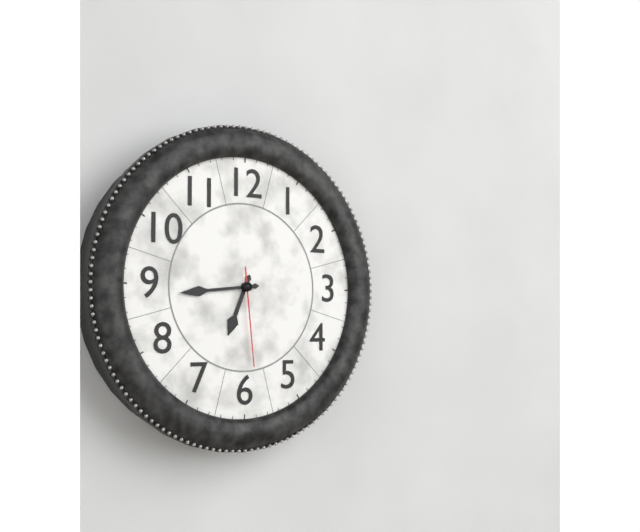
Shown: h=6 m=44 s=29
